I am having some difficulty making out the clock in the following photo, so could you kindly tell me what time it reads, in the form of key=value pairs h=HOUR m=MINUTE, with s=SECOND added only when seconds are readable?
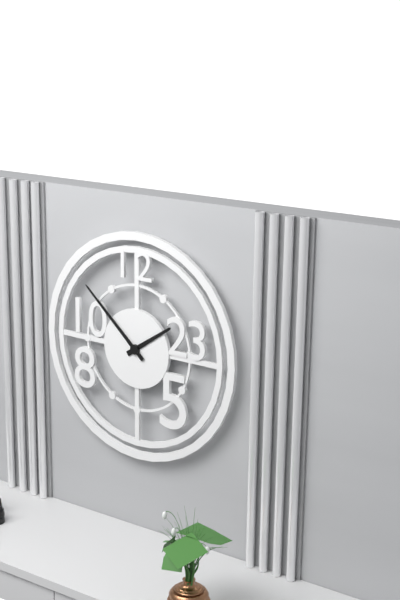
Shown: h=1 m=52
